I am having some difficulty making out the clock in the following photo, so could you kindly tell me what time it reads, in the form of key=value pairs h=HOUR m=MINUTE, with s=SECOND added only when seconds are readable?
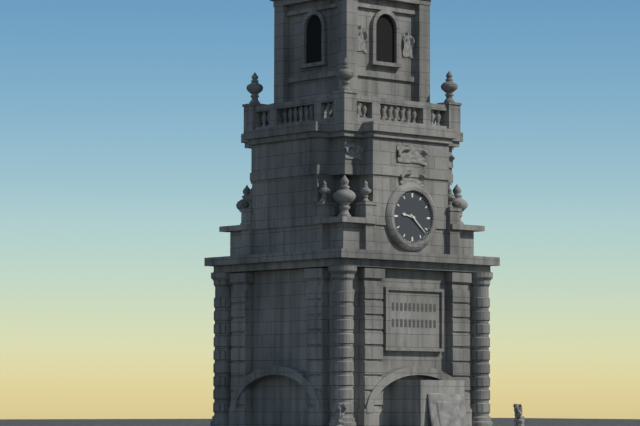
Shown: h=9 m=22
